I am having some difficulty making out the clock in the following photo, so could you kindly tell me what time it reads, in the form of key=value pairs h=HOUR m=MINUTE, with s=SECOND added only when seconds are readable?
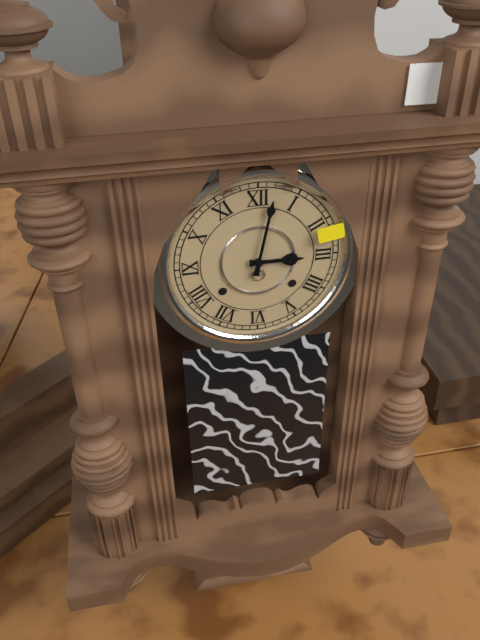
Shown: h=3 m=2
